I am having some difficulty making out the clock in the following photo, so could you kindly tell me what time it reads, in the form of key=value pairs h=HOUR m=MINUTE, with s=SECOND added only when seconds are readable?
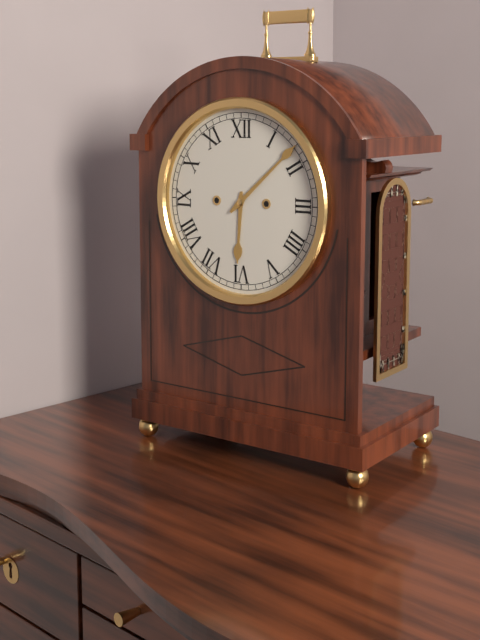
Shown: h=6 m=8
